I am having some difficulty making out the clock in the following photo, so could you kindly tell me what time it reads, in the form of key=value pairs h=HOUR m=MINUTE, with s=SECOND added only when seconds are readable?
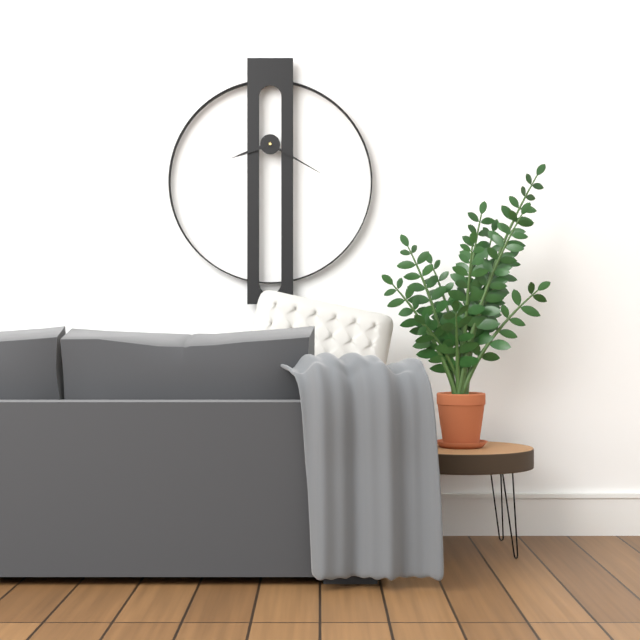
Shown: h=8 m=20
